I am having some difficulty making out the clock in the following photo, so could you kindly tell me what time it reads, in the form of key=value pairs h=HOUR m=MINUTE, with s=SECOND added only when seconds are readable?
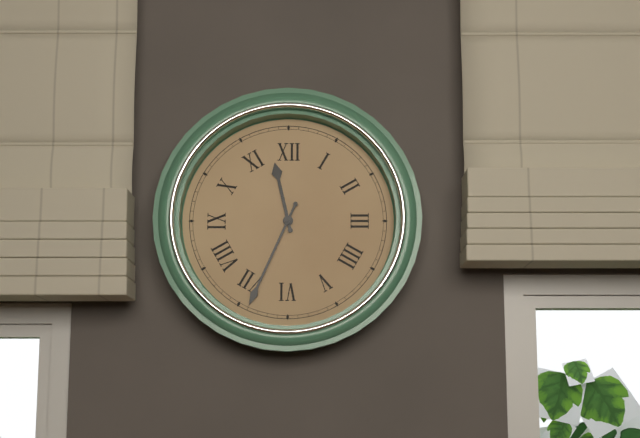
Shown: h=11 m=34
